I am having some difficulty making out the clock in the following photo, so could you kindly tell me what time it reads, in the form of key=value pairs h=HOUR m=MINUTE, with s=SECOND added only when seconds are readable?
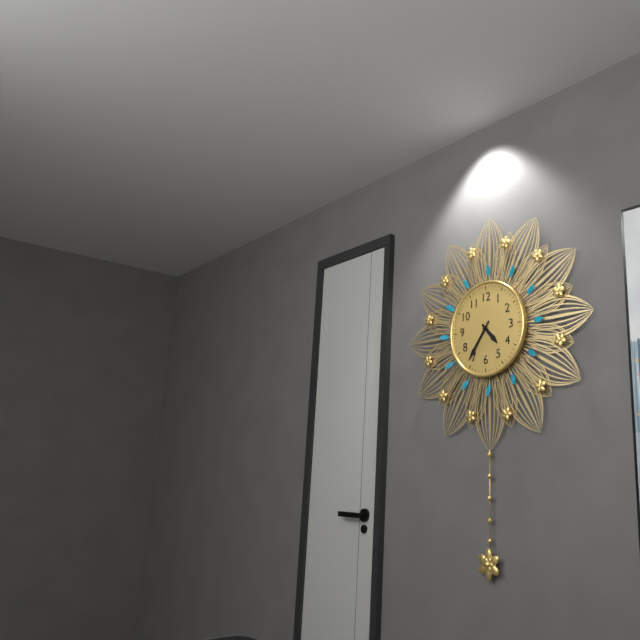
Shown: h=4 m=36
